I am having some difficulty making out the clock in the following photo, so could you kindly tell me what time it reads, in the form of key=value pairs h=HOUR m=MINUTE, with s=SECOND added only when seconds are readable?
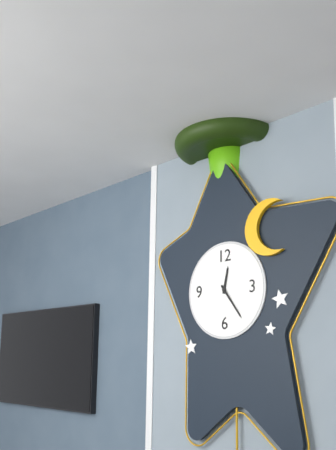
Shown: h=12 m=24
